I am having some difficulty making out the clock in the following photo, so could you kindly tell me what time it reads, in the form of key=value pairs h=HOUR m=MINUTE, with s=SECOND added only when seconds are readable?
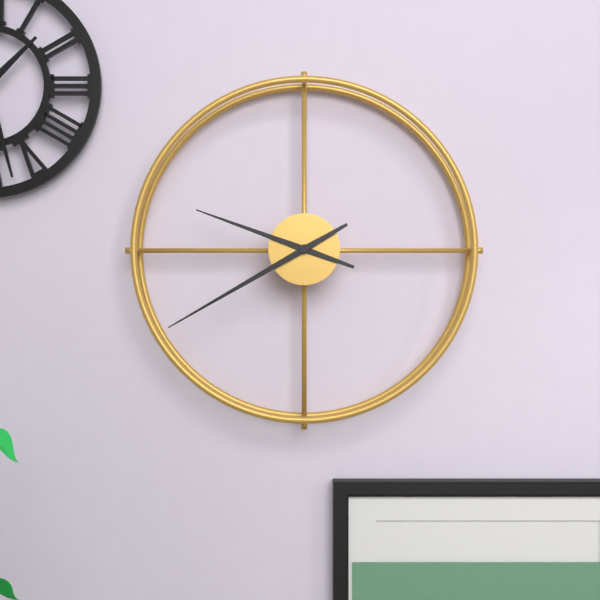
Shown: h=9 m=40
